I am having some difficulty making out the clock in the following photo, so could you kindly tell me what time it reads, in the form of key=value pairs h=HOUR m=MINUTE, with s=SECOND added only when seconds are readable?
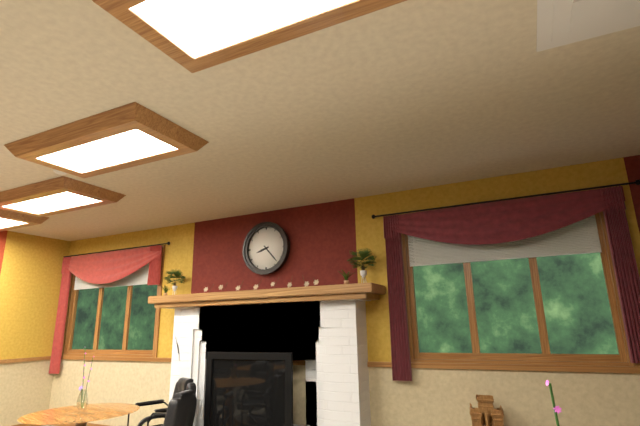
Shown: h=8 m=23
